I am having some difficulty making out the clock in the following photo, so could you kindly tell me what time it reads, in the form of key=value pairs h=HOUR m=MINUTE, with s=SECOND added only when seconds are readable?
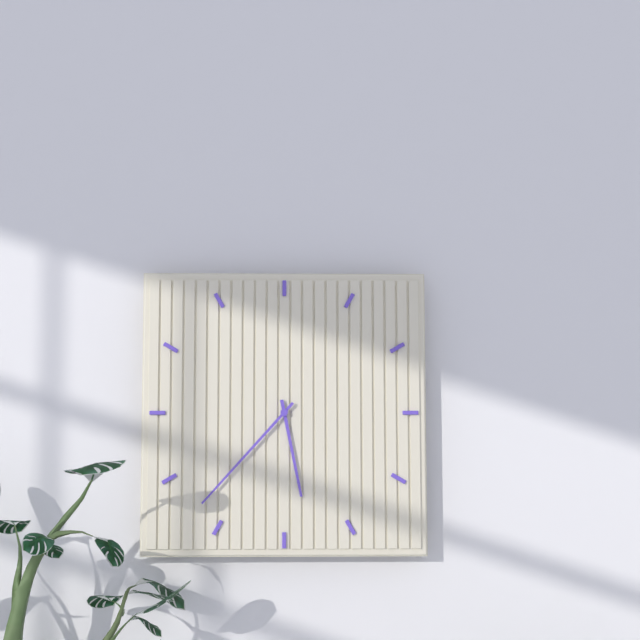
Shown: h=5 m=37
